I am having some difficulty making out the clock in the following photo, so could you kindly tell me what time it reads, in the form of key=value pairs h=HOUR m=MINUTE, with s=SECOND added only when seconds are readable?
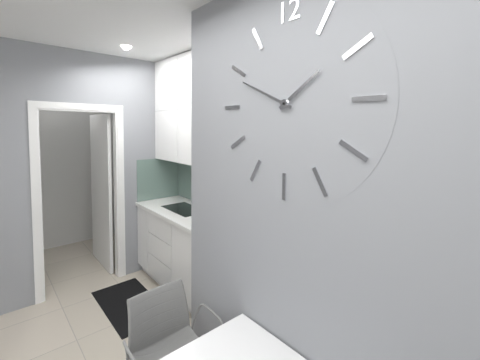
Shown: h=1 m=49
